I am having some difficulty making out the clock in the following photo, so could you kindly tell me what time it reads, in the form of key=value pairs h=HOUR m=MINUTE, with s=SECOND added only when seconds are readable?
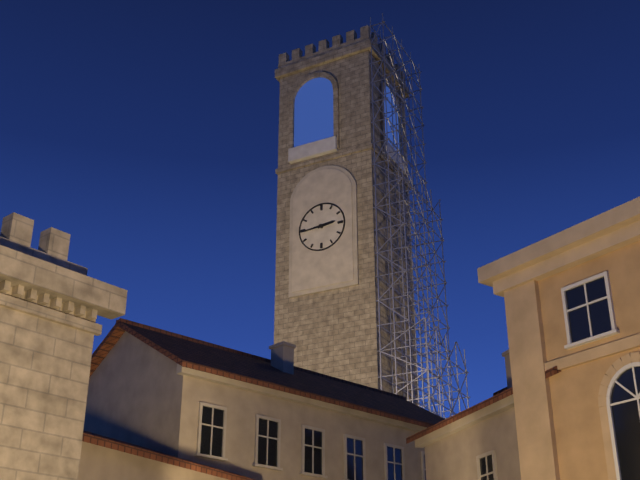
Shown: h=2 m=44
